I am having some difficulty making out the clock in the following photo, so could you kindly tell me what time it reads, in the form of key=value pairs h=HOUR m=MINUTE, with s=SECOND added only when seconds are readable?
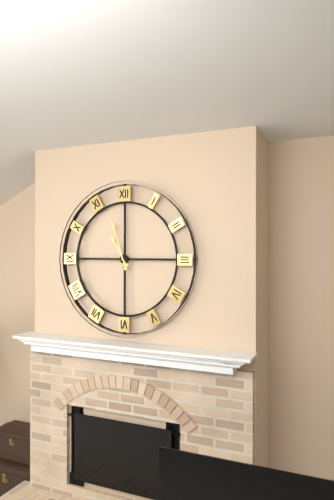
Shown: h=10 m=57
